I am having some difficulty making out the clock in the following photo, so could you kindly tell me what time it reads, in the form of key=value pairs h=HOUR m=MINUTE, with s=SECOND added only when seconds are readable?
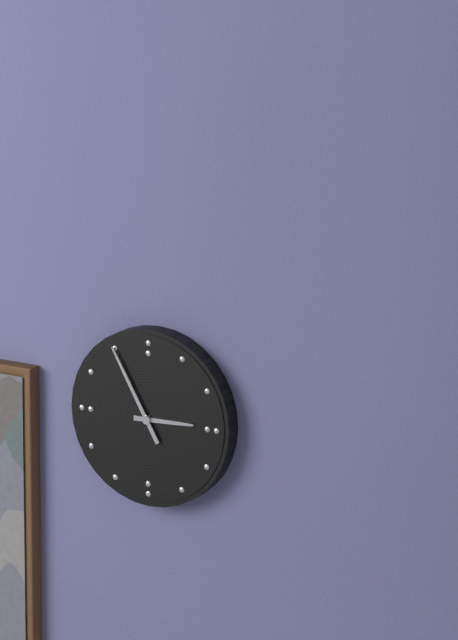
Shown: h=2 m=55
